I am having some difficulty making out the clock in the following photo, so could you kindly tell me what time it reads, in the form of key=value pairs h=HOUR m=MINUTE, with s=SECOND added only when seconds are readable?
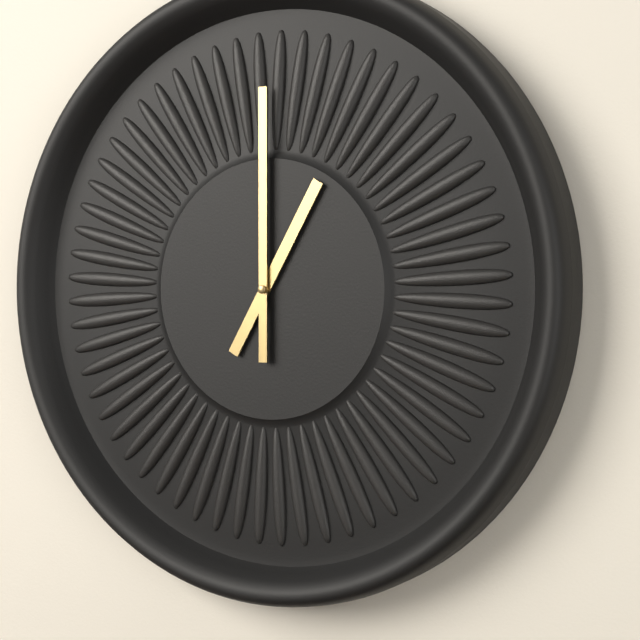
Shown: h=1 m=0
